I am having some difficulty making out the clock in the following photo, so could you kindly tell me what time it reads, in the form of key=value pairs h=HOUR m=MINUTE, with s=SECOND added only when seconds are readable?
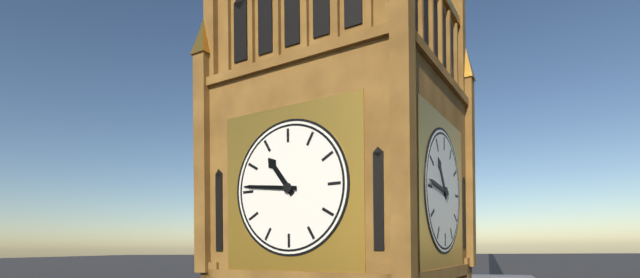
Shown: h=10 m=46
